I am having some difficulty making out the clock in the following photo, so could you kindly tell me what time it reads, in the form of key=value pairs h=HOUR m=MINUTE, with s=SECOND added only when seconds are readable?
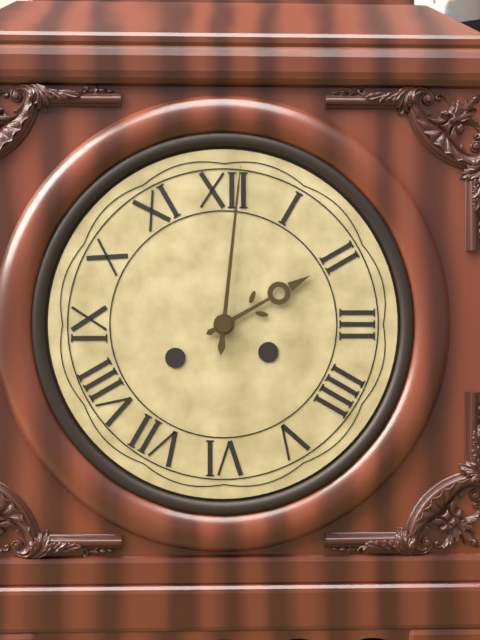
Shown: h=2 m=1
